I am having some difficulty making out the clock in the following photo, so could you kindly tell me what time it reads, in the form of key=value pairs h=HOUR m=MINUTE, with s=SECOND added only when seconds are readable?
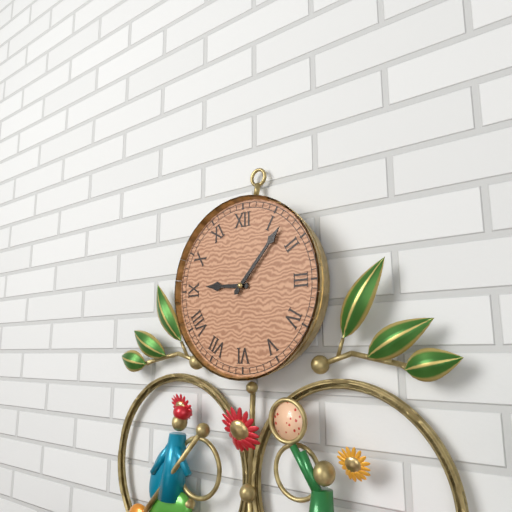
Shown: h=9 m=7
